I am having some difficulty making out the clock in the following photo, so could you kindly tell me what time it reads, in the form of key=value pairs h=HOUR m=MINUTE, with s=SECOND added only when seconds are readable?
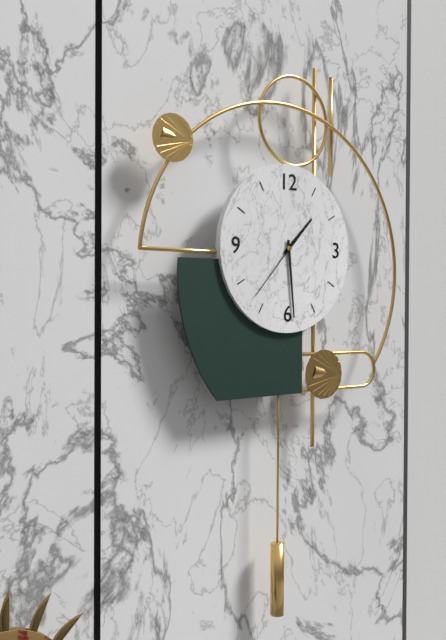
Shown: h=1 m=29 s=37
